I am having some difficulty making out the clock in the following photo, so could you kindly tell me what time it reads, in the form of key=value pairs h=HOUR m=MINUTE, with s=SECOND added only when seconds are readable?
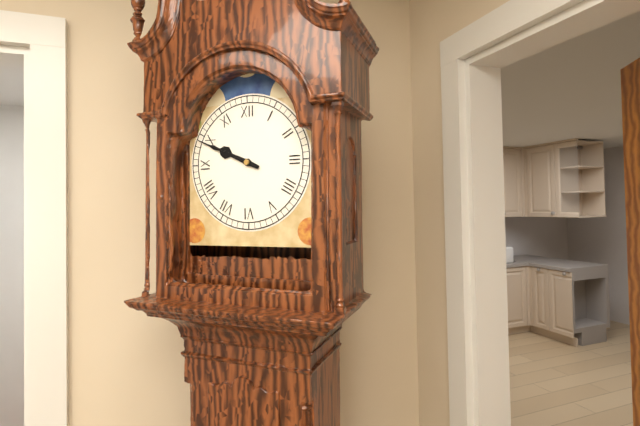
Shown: h=9 m=49
